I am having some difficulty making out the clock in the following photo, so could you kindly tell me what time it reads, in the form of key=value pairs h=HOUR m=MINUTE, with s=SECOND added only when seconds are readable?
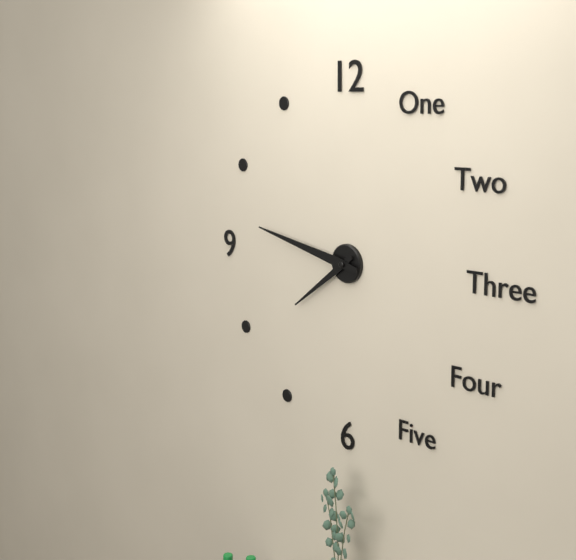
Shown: h=7 m=47
